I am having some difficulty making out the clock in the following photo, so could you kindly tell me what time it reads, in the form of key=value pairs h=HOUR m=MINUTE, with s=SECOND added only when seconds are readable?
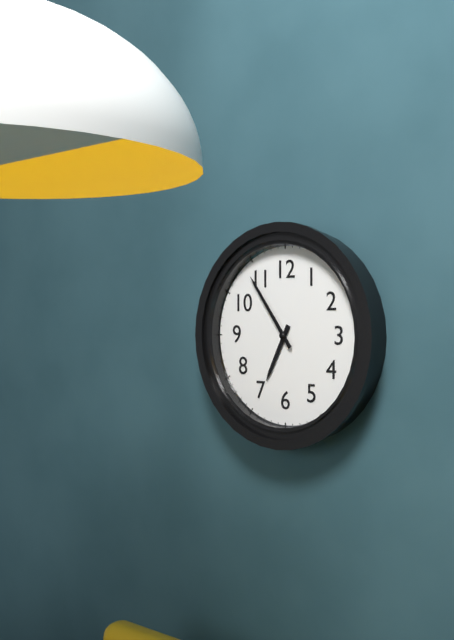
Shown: h=6 m=54
